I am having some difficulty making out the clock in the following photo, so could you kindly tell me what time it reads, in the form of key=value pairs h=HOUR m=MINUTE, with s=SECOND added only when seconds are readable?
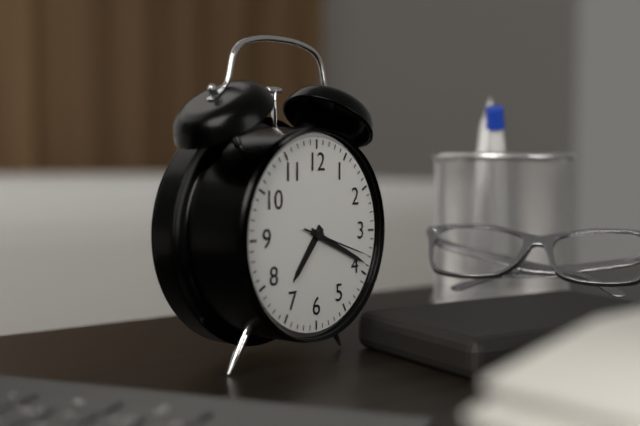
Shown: h=7 m=19 s=18
